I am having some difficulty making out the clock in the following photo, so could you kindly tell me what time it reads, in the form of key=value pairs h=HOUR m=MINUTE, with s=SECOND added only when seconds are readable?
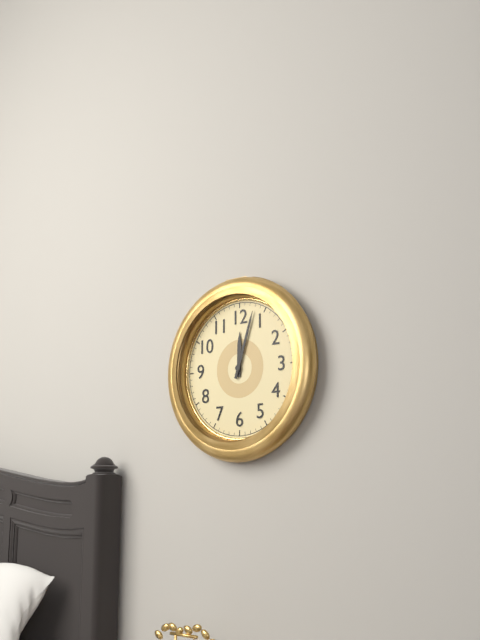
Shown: h=12 m=3
